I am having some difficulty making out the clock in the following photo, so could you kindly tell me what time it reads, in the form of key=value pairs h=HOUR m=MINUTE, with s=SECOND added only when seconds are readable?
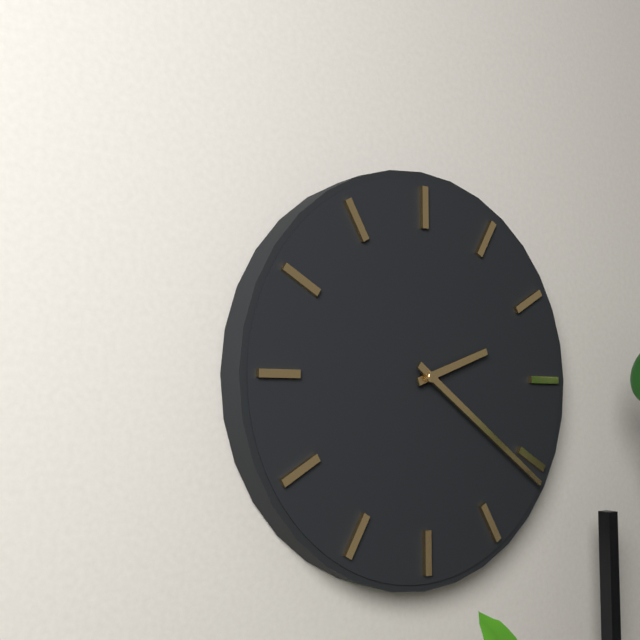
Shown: h=2 m=21
